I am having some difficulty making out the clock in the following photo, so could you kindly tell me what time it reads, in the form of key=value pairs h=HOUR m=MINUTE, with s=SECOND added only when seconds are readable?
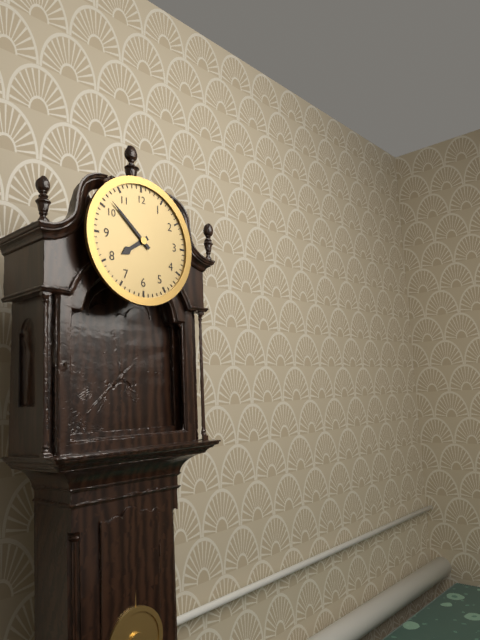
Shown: h=7 m=52
